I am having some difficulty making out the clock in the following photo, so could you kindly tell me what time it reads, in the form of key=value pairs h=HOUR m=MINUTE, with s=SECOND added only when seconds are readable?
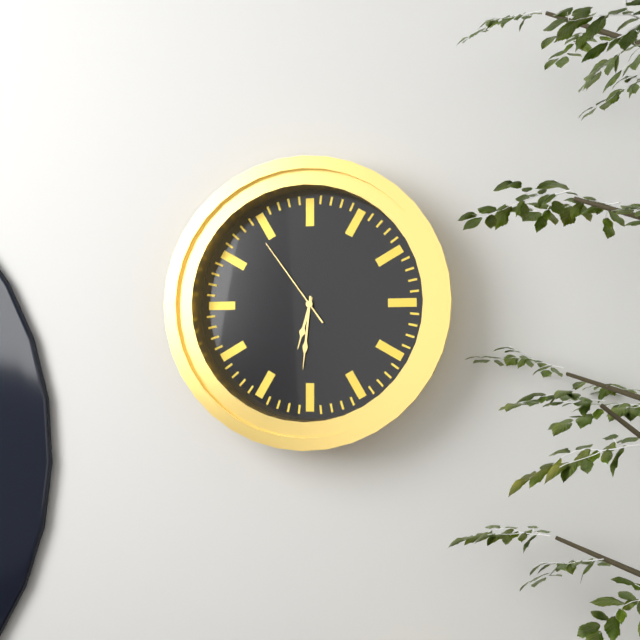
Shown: h=6 m=31 s=54
